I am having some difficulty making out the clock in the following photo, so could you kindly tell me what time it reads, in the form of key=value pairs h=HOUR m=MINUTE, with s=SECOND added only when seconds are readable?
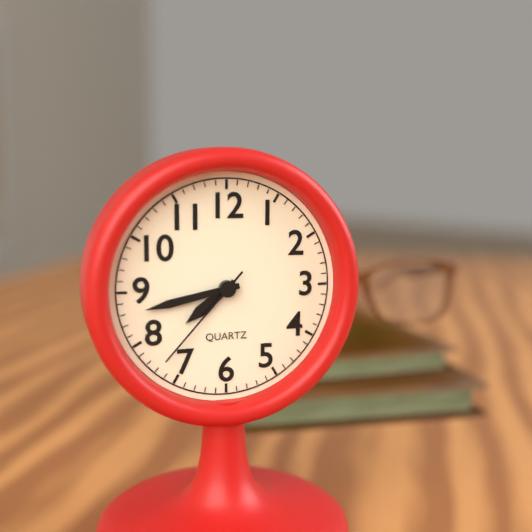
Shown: h=7 m=43 s=37
